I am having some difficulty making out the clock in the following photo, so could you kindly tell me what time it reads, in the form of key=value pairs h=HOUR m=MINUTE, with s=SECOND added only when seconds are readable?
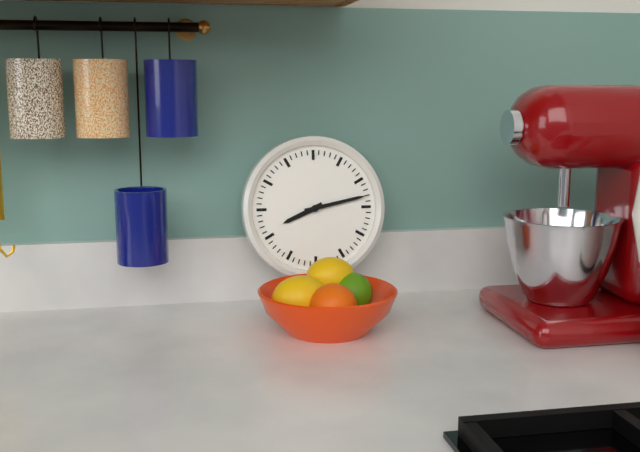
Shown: h=8 m=13
